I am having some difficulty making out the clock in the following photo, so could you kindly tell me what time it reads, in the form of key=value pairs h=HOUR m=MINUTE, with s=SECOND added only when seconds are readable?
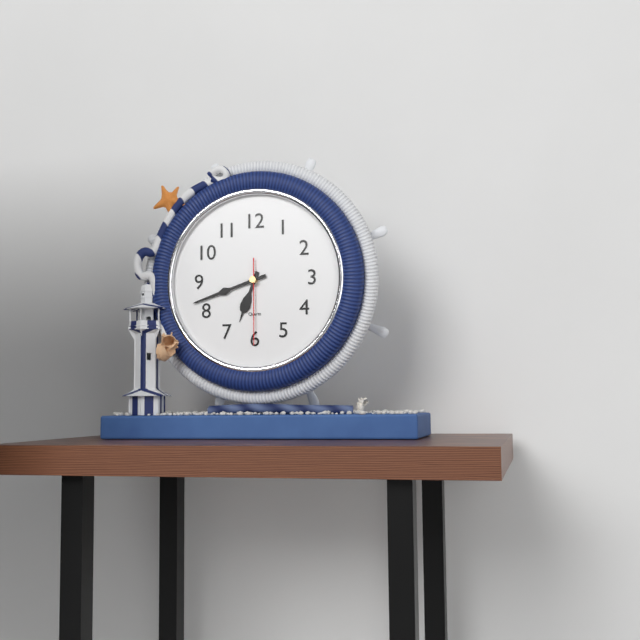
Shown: h=6 m=42 s=30
